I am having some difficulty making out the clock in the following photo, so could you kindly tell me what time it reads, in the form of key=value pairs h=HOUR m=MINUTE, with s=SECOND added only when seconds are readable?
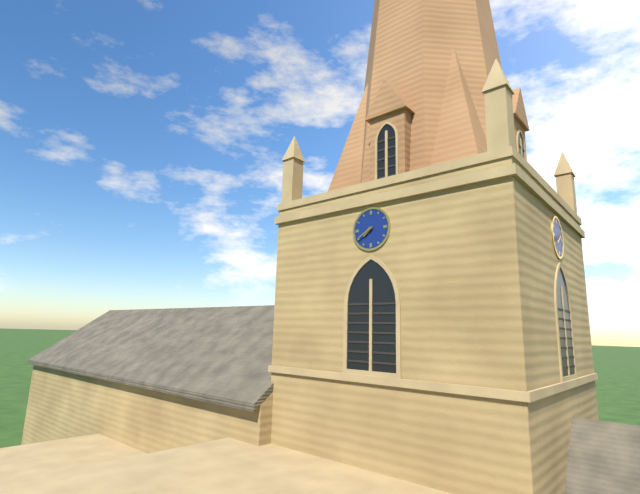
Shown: h=7 m=40
